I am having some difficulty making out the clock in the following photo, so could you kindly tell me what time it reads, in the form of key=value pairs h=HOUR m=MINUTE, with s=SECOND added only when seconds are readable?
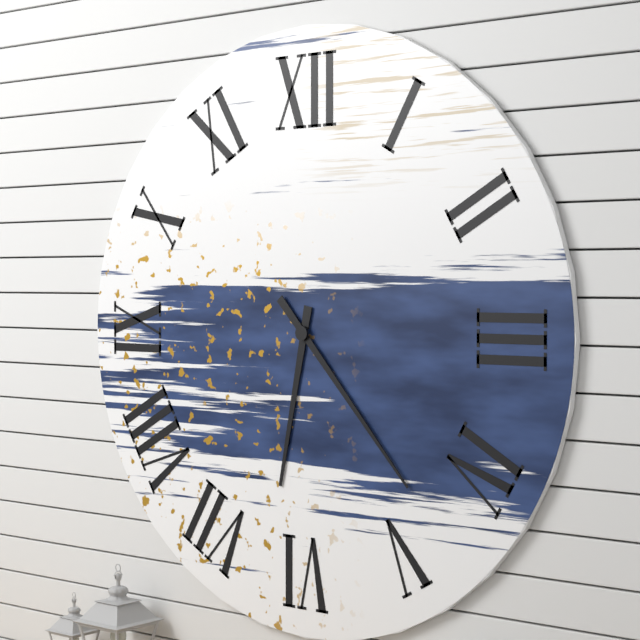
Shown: h=6 m=23
